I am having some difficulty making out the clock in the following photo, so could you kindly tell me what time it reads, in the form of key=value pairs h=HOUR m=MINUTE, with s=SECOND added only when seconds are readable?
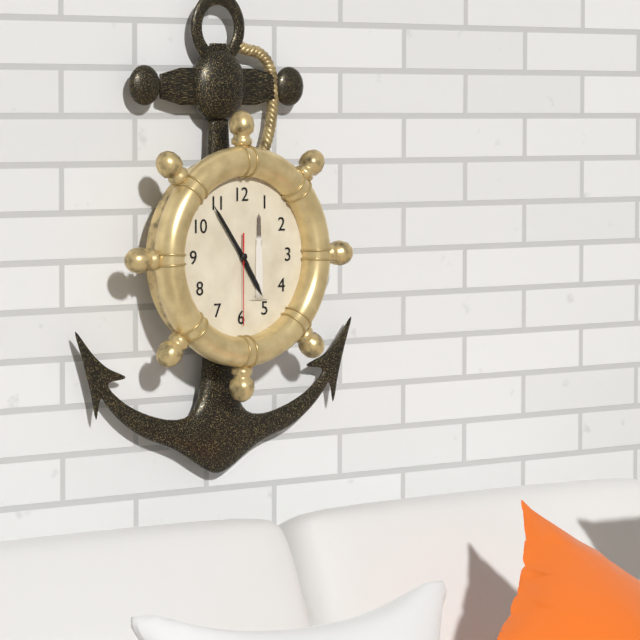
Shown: h=4 m=54 s=30
